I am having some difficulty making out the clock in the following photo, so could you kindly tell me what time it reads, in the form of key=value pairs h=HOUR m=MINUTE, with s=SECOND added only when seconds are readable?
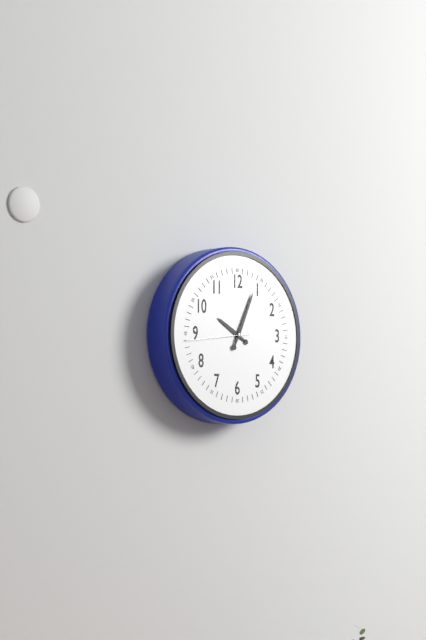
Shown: h=10 m=4 s=44
